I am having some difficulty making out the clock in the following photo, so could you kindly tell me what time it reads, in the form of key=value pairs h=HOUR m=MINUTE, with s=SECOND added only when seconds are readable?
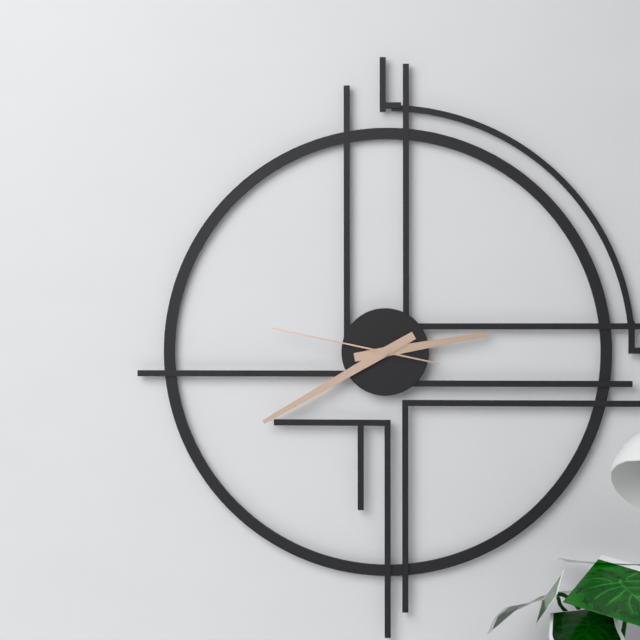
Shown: h=2 m=40 s=47
